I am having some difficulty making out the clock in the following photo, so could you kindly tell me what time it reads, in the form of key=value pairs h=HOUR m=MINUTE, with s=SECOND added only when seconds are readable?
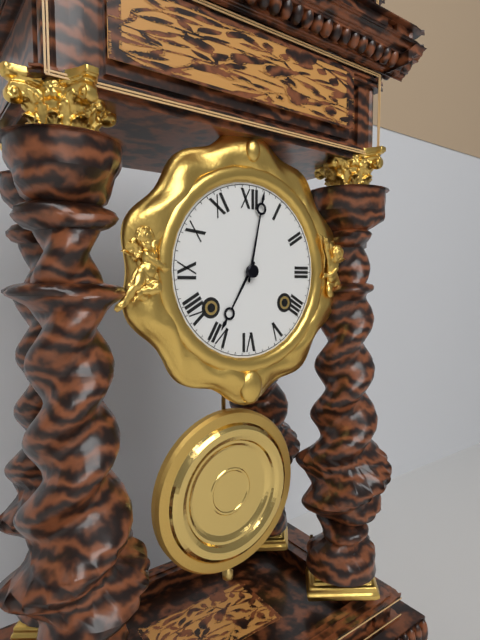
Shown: h=7 m=2
